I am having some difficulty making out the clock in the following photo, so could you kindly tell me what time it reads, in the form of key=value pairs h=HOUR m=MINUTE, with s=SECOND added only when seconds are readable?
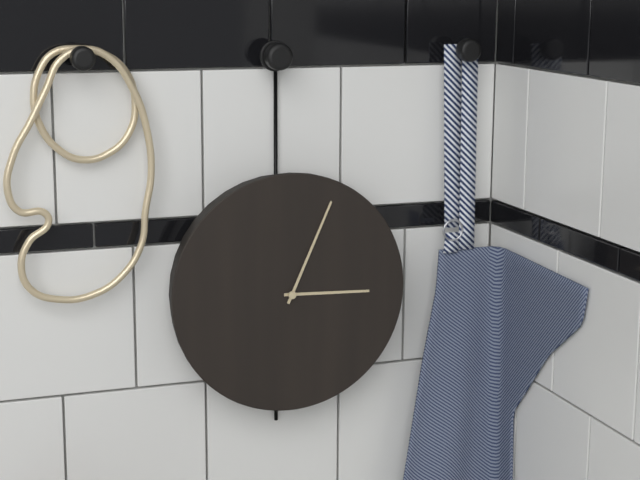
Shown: h=3 m=4
